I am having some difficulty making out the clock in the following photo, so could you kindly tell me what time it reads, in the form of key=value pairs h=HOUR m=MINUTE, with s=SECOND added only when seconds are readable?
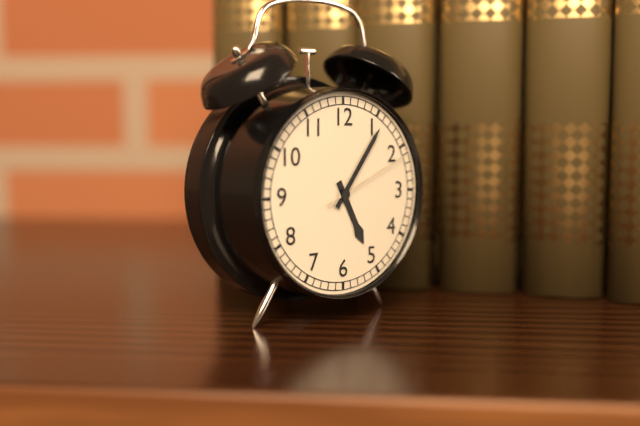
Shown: h=5 m=6 s=11
